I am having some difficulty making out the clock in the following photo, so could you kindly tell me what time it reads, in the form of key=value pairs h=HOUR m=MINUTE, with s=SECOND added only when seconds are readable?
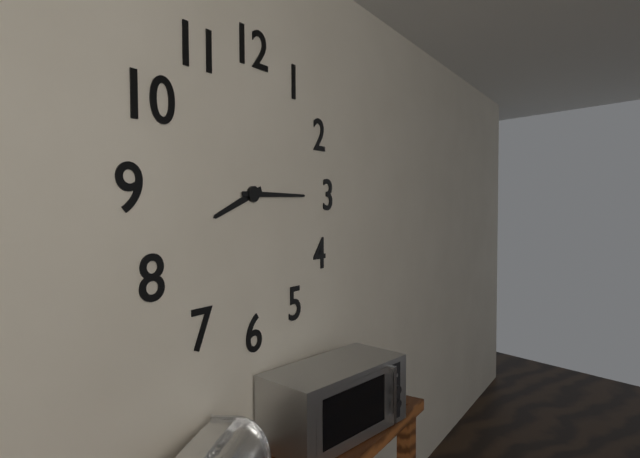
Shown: h=8 m=15
